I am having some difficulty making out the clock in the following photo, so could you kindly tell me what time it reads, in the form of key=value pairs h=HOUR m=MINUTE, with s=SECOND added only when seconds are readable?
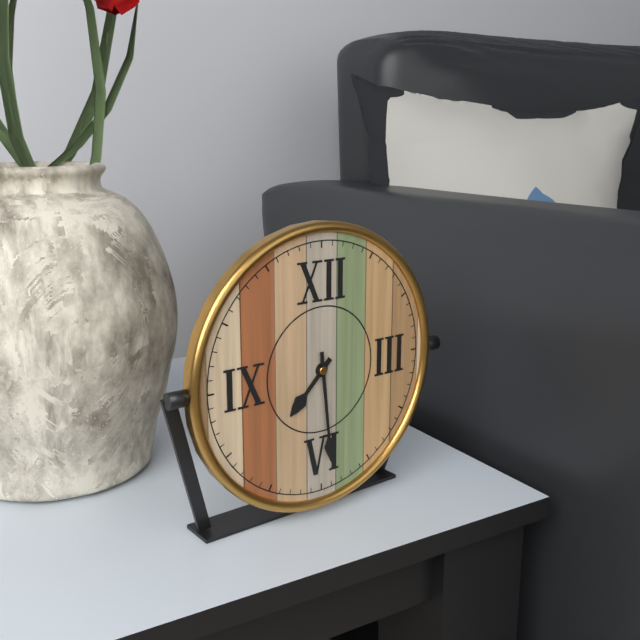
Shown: h=7 m=29
